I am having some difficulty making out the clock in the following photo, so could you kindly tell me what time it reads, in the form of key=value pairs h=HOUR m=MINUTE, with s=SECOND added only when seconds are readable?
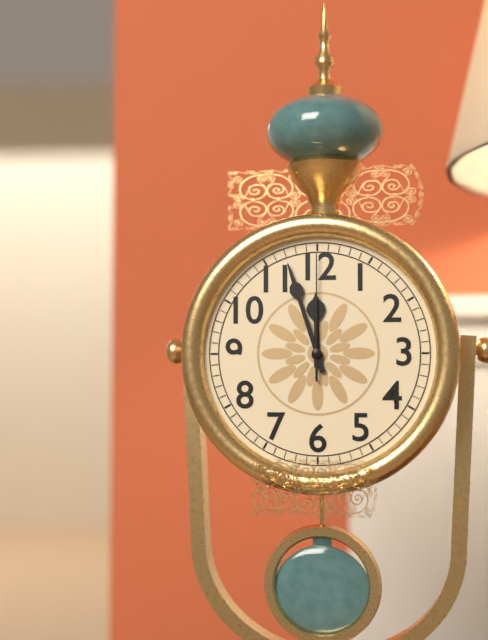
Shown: h=11 m=57 s=0
